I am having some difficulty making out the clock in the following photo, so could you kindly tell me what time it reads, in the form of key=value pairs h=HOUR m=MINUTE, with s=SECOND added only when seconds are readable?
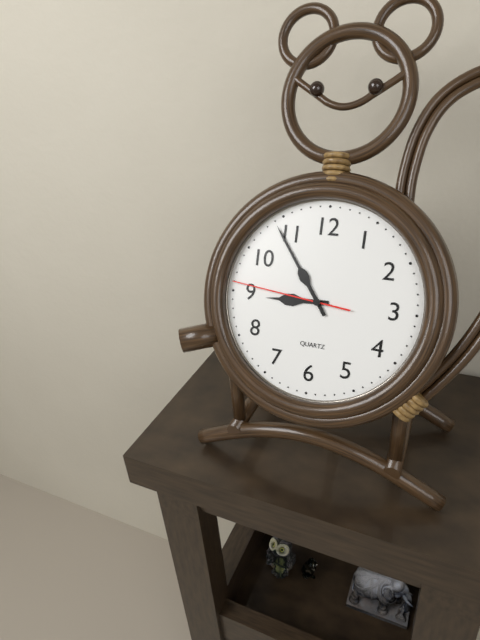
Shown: h=8 m=54 s=46
